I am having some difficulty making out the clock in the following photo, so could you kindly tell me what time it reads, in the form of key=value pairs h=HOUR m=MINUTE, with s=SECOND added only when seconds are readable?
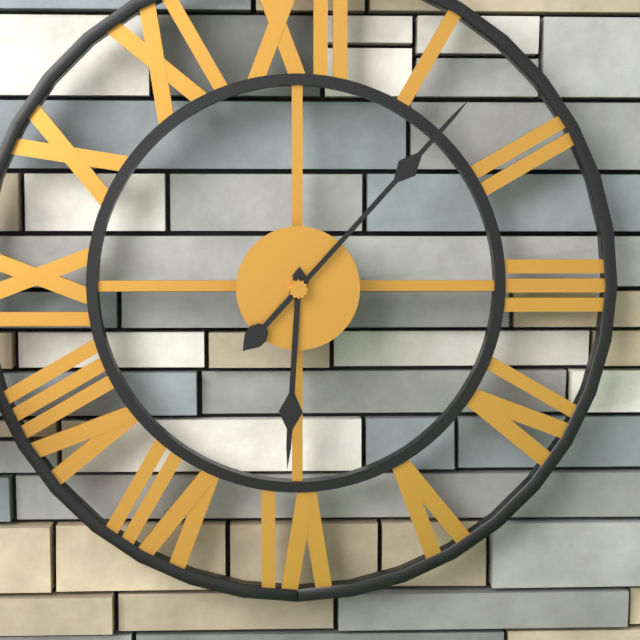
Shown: h=6 m=7
